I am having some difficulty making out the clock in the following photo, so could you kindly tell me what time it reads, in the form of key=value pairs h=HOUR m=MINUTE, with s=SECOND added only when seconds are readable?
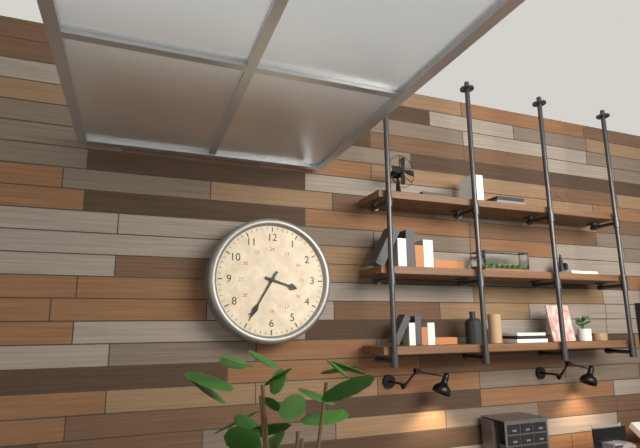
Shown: h=3 m=35
